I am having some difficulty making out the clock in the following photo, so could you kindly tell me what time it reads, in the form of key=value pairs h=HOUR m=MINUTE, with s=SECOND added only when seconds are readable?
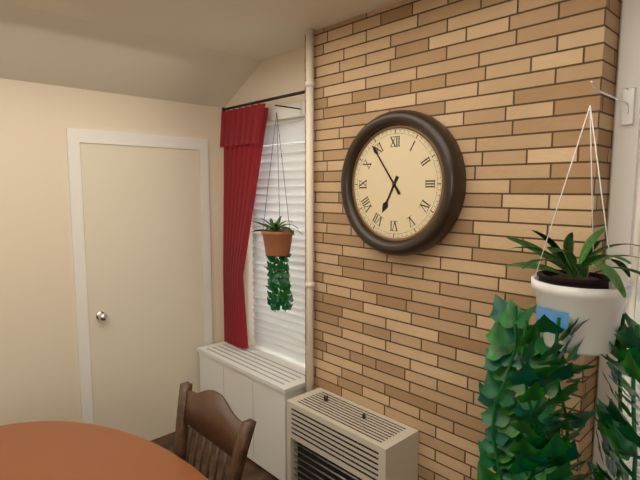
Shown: h=6 m=54
